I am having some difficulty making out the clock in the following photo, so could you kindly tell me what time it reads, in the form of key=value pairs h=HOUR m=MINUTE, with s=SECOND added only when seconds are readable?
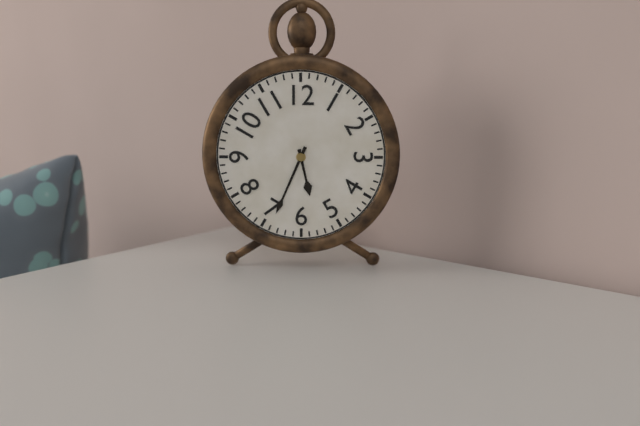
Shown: h=5 m=34
